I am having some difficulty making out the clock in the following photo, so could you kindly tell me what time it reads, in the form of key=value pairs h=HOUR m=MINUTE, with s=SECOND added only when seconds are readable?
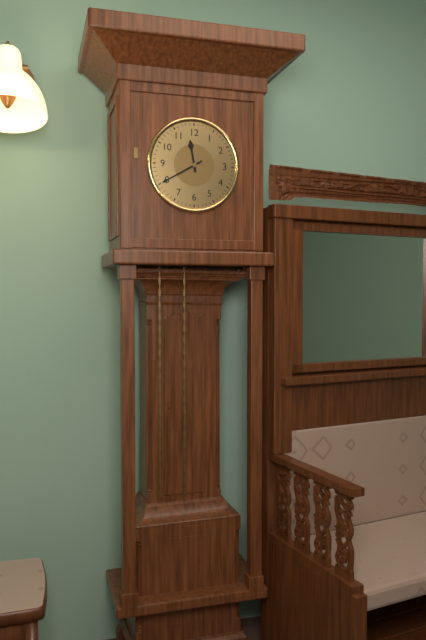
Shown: h=11 m=40
